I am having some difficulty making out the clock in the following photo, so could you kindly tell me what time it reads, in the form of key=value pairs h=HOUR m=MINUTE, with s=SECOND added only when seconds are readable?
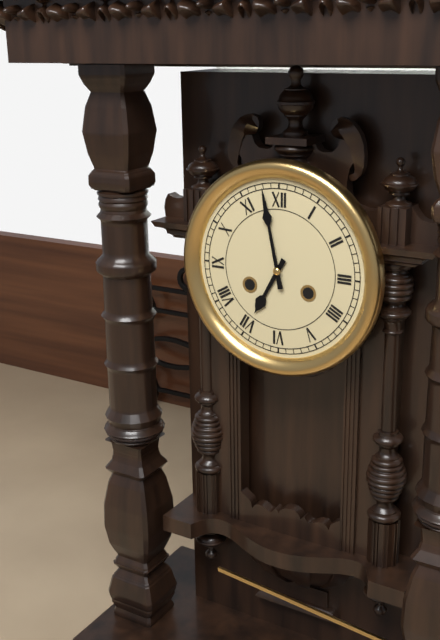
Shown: h=6 m=58
